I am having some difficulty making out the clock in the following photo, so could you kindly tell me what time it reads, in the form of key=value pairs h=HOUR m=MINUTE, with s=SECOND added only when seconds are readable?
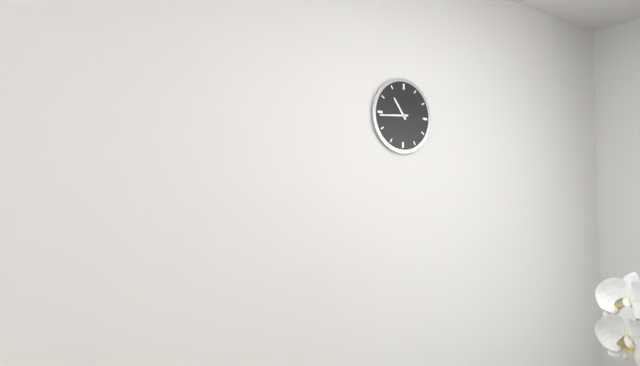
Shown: h=10 m=44
